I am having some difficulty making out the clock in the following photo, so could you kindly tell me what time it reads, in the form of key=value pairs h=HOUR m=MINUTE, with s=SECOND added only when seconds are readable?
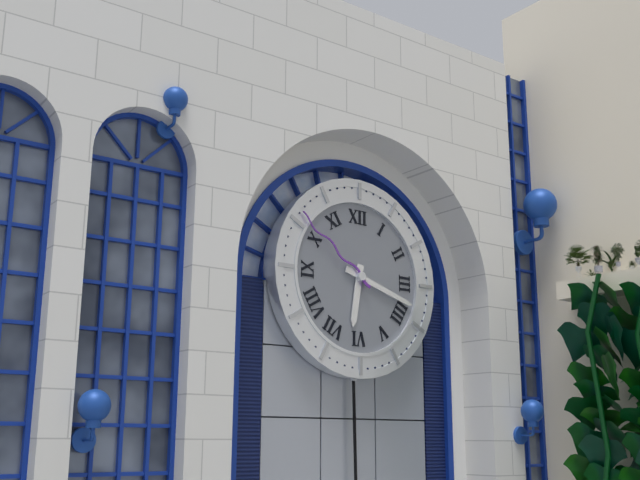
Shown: h=6 m=18 s=51
